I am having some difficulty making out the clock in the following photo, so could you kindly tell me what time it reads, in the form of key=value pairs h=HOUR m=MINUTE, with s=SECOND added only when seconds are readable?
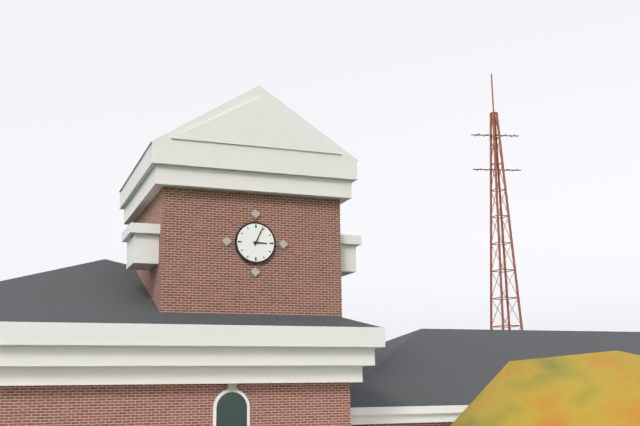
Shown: h=3 m=4
